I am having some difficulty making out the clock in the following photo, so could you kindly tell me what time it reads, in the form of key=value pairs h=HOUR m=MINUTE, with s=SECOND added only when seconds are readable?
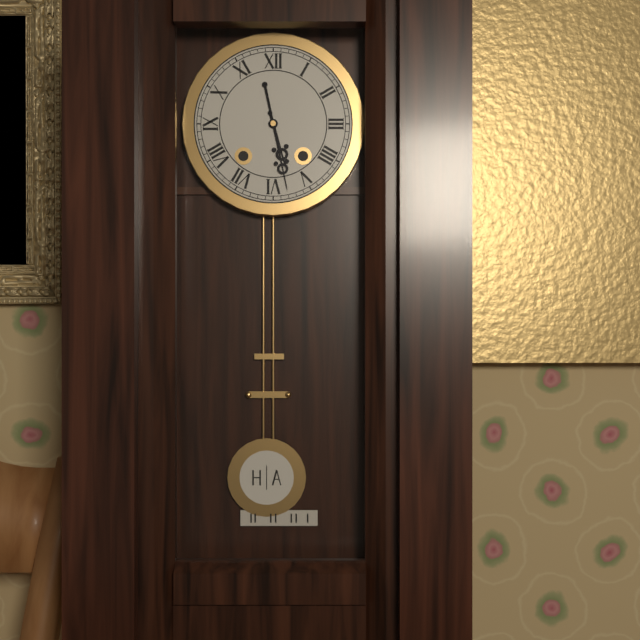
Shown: h=5 m=28
